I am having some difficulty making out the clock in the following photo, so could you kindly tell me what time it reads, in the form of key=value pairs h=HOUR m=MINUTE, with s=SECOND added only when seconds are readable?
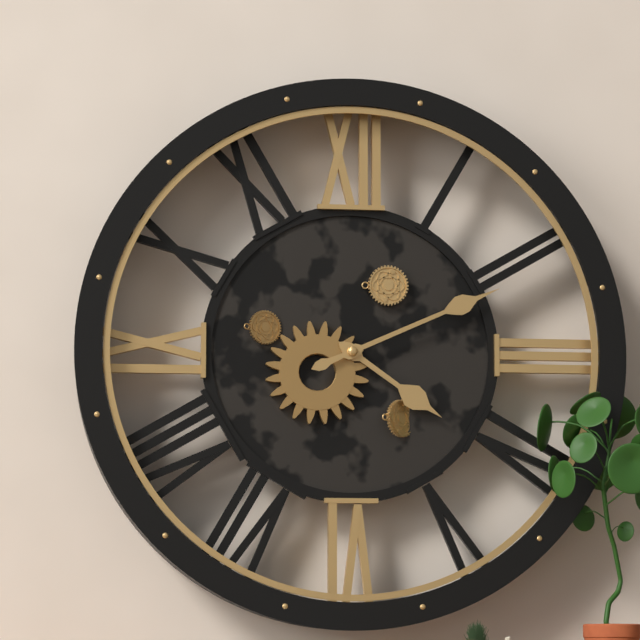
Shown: h=4 m=11
